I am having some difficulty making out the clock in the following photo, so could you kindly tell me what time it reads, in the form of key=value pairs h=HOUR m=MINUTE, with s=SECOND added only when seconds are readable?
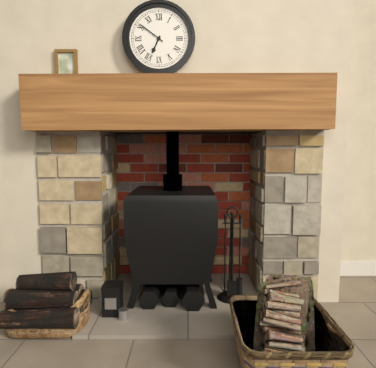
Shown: h=6 m=51
